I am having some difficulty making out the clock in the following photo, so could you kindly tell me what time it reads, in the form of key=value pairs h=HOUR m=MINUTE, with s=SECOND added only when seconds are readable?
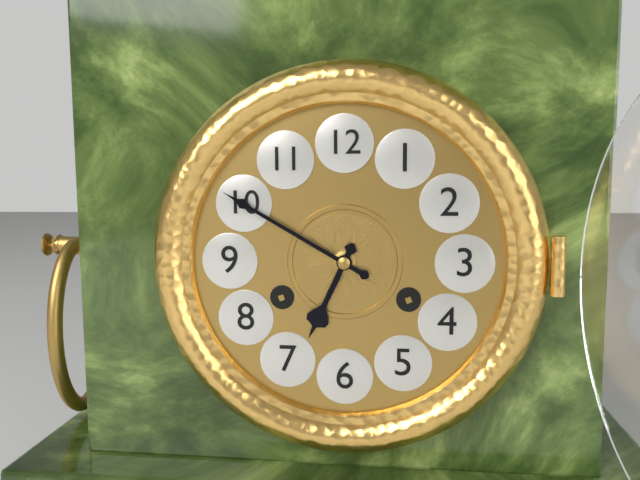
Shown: h=6 m=50
